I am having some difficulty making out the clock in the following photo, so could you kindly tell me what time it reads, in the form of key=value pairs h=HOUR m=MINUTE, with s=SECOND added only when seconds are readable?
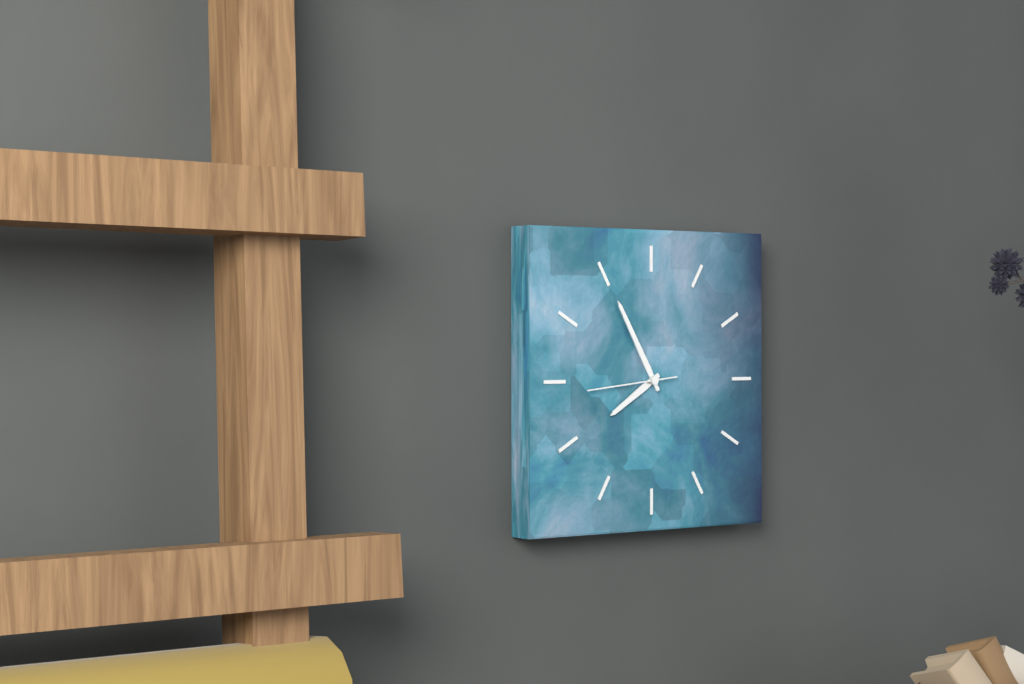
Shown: h=7 m=55 s=44
